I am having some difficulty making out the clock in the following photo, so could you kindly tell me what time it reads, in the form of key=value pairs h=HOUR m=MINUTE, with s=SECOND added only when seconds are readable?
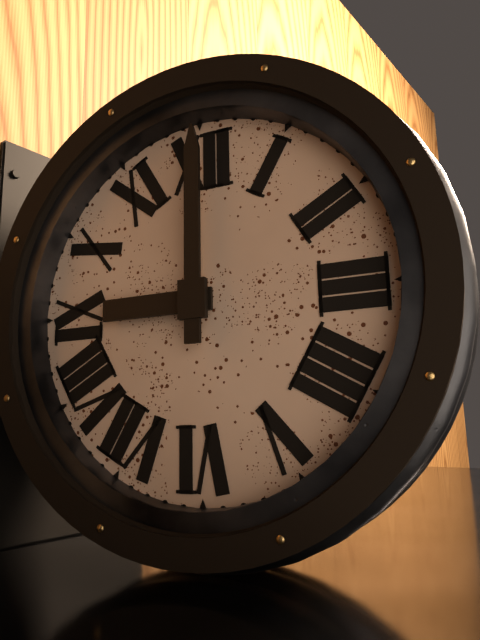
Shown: h=9 m=0
